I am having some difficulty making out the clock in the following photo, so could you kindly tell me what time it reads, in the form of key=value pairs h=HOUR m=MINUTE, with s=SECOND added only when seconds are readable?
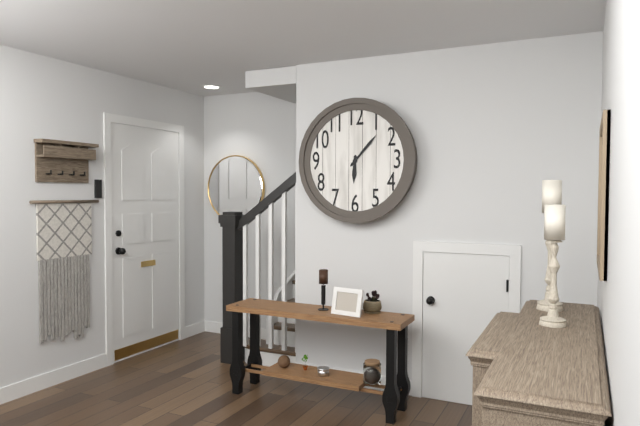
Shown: h=6 m=7
